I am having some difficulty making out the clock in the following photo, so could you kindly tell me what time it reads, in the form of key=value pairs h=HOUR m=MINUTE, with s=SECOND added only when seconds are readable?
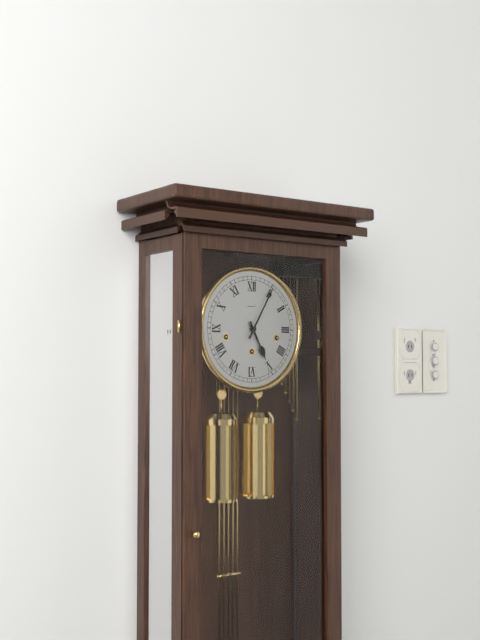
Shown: h=5 m=5
